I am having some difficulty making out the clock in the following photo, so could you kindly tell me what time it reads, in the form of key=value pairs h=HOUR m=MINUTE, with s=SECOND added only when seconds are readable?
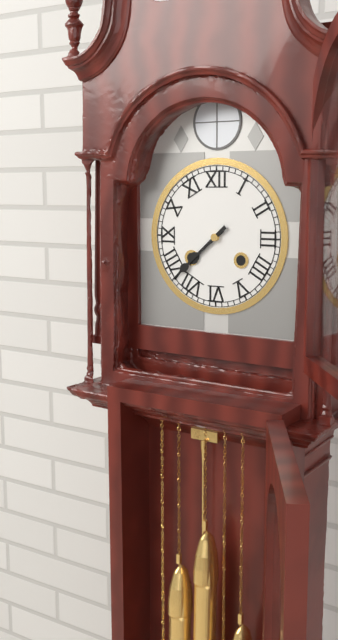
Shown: h=7 m=38
